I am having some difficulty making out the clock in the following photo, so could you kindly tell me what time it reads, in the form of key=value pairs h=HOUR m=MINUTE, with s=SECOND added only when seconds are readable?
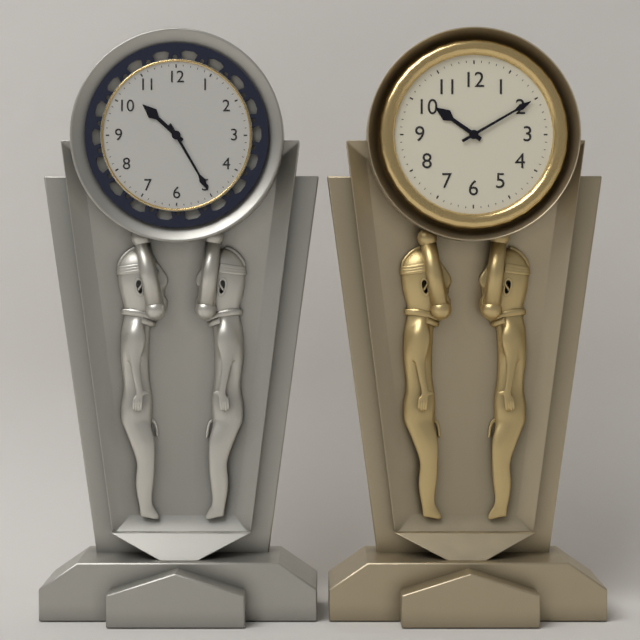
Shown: h=10 m=10
